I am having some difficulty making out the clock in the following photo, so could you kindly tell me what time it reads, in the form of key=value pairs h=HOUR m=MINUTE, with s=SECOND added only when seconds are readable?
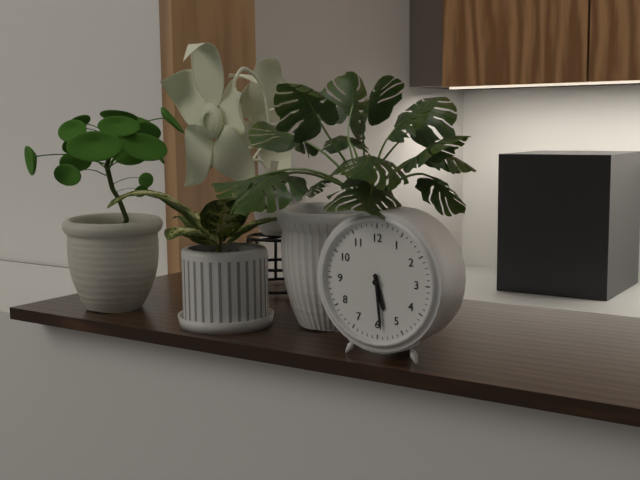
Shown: h=5 m=29
